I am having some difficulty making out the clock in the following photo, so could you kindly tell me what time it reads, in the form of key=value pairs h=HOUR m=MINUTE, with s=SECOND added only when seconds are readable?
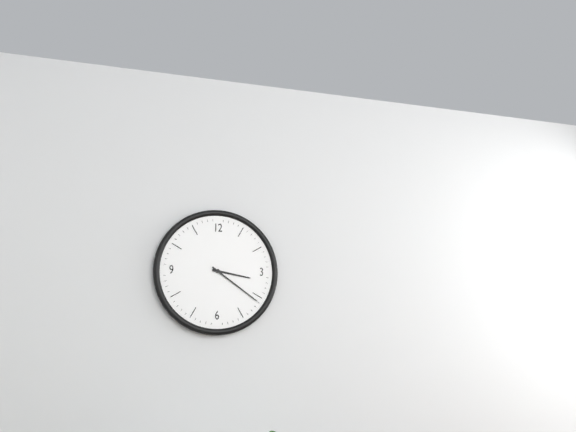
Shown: h=3 m=21
